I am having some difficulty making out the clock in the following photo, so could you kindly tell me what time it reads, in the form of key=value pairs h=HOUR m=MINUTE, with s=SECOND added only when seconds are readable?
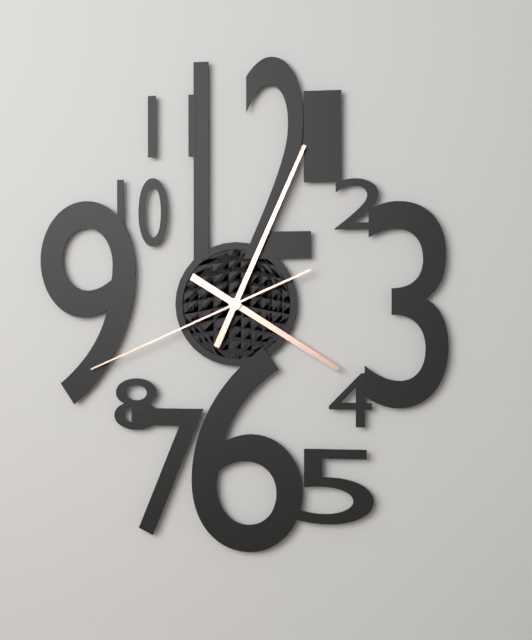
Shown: h=4 m=4 s=41
